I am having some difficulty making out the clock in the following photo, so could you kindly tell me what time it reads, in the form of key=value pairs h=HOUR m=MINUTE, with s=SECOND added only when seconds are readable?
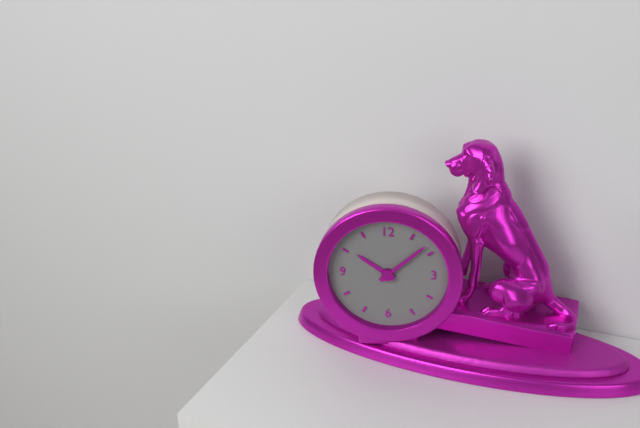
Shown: h=10 m=8
